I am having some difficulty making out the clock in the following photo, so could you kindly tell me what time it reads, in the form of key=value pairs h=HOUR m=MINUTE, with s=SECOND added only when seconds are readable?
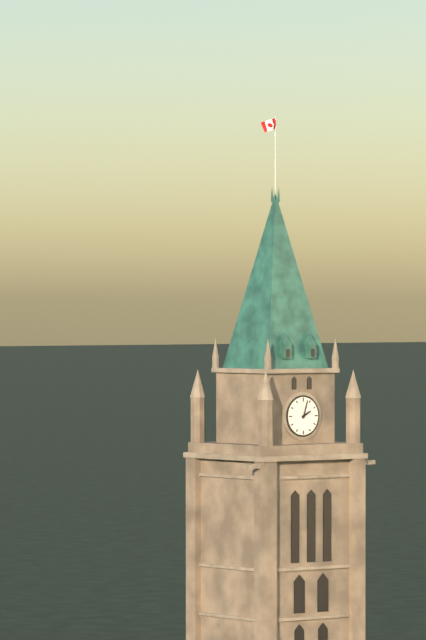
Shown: h=2 m=3
